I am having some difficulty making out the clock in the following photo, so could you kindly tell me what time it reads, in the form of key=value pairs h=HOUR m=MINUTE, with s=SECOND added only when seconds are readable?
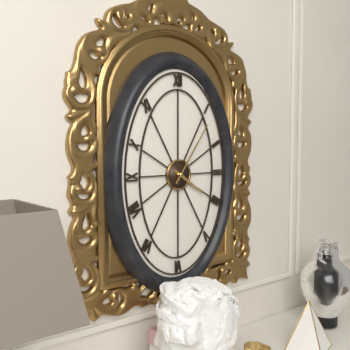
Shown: h=4 m=6
